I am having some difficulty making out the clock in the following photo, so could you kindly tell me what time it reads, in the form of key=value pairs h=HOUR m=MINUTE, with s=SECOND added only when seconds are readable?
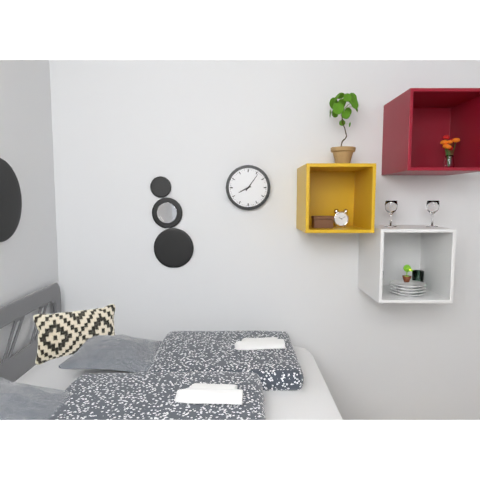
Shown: h=8 m=6
